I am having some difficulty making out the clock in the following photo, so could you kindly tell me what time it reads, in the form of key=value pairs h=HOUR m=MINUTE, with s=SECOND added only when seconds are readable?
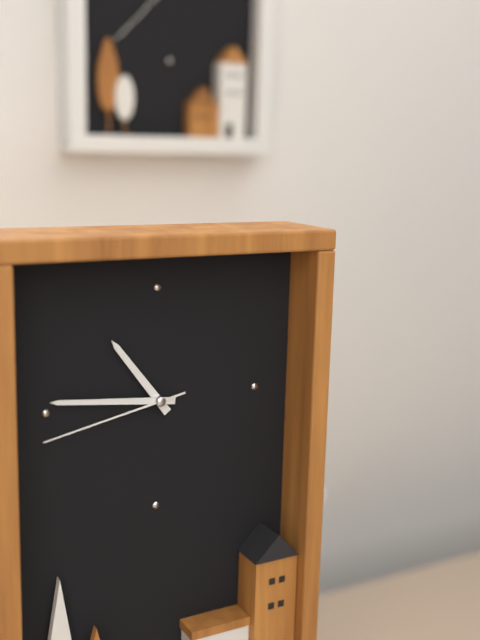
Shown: h=10 m=46 s=43
